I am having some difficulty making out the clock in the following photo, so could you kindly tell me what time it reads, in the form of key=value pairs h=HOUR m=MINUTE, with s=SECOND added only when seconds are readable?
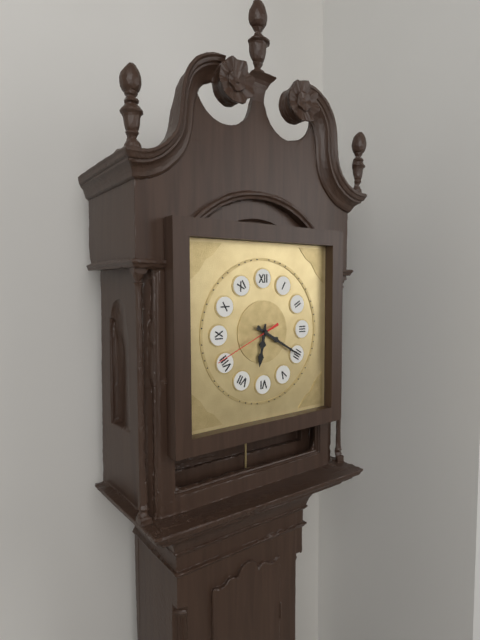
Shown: h=6 m=20 s=41
